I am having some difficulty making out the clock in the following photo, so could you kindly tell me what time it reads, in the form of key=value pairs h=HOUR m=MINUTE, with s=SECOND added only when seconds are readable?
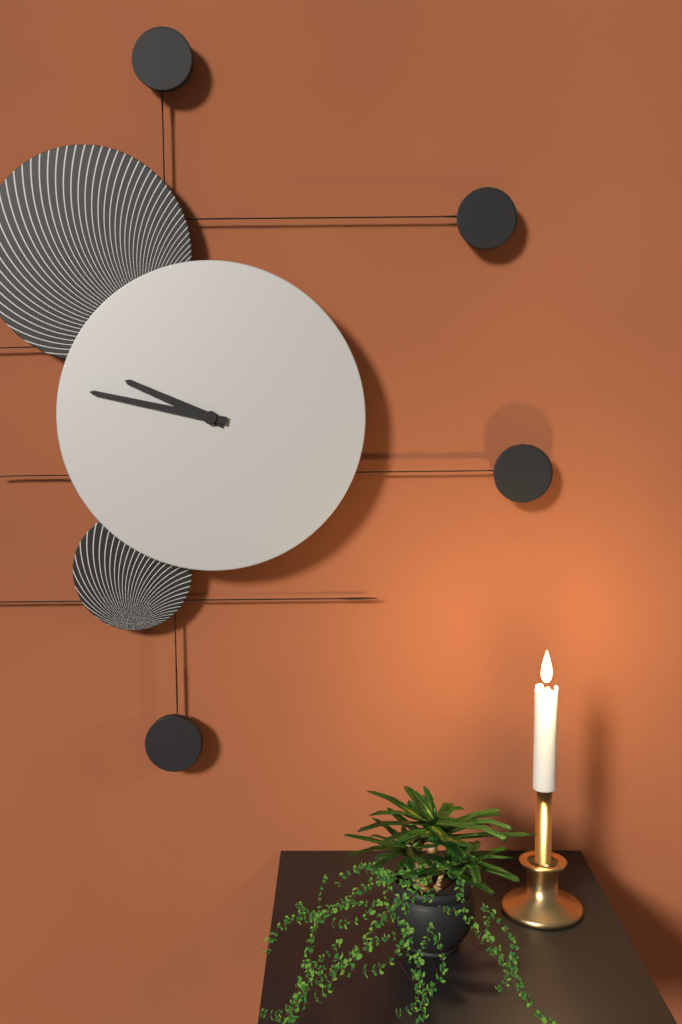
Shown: h=9 m=47
